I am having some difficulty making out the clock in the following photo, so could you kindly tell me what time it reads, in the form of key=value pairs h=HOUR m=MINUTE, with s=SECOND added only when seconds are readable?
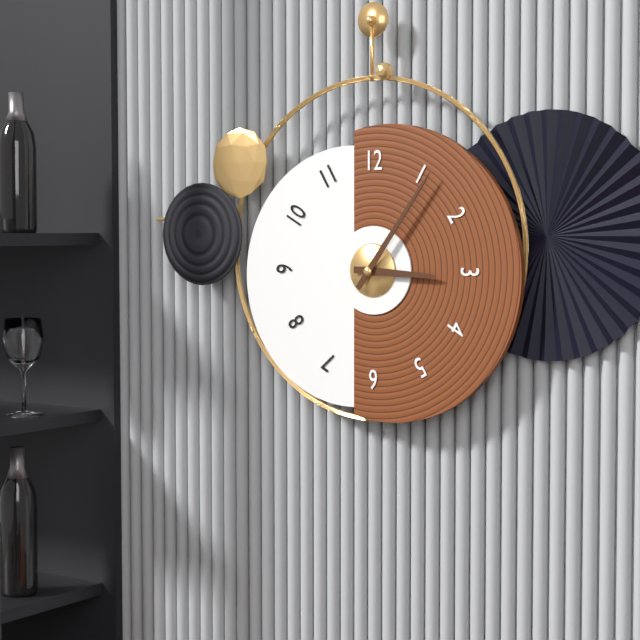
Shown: h=3 m=6
